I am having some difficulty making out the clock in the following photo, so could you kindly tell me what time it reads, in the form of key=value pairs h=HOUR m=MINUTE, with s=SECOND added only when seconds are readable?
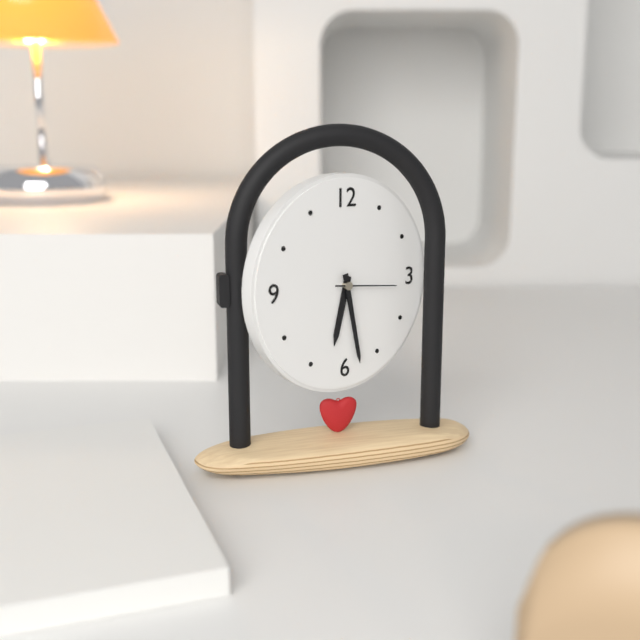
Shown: h=6 m=28 s=16
